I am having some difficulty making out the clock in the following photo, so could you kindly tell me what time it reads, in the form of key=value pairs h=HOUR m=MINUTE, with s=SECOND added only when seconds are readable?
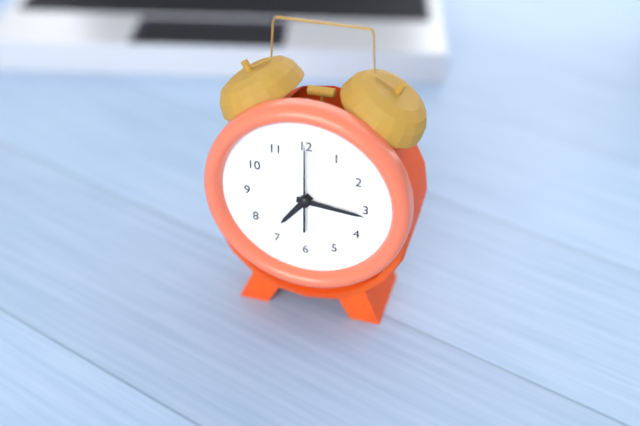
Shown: h=7 m=16 s=0
